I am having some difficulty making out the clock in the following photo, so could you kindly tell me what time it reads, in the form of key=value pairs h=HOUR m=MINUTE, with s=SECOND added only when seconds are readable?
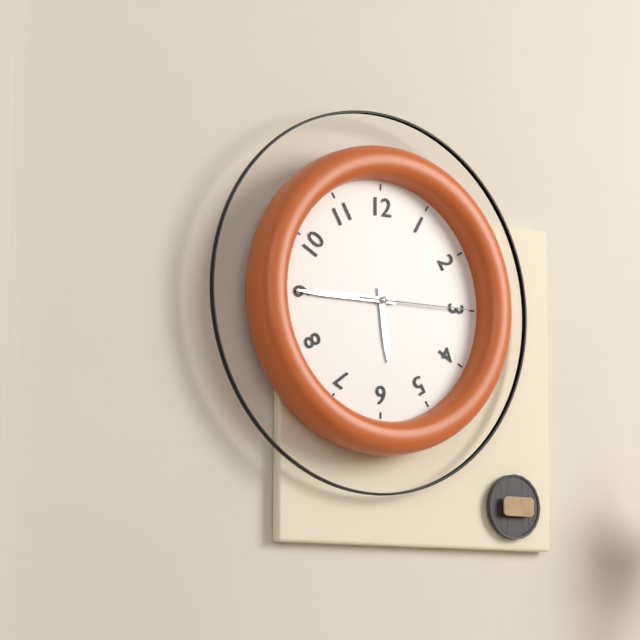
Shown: h=5 m=45 s=15
